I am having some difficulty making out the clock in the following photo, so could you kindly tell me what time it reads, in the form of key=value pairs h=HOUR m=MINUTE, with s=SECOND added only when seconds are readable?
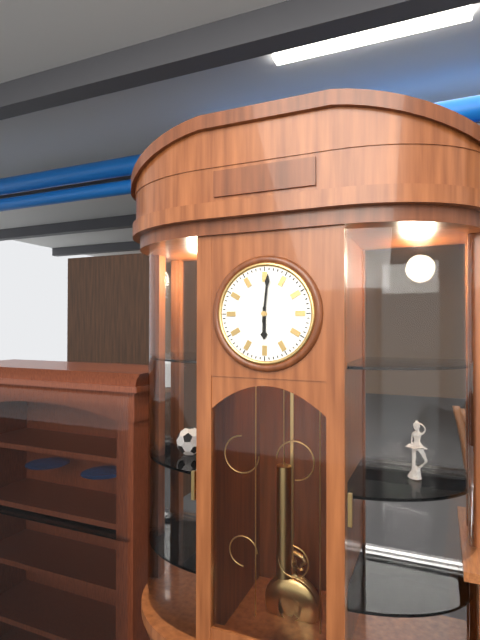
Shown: h=6 m=1
